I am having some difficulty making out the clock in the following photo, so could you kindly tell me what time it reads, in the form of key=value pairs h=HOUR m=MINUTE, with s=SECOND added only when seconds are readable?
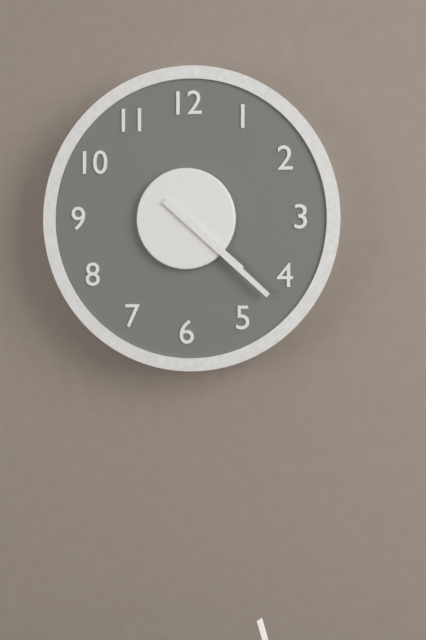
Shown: h=4 m=22
